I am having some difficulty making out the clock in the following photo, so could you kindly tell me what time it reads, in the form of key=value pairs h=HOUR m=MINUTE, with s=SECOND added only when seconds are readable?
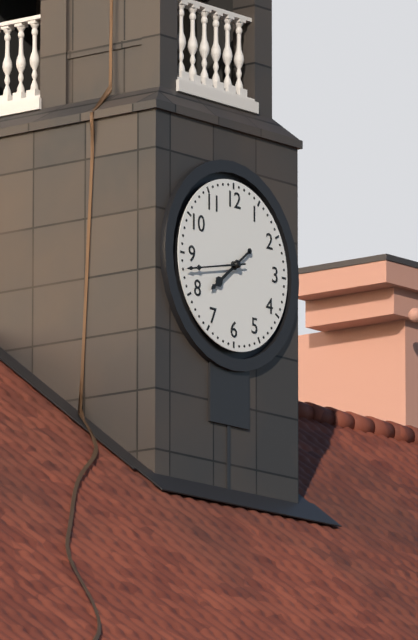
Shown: h=7 m=43
